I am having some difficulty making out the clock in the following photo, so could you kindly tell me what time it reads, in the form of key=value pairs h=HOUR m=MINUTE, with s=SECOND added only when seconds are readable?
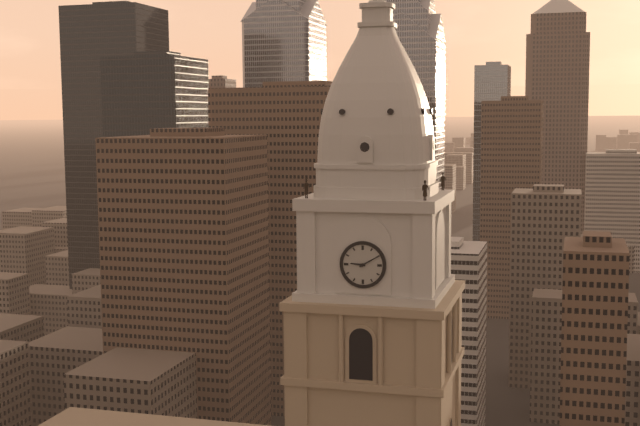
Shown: h=9 m=10
